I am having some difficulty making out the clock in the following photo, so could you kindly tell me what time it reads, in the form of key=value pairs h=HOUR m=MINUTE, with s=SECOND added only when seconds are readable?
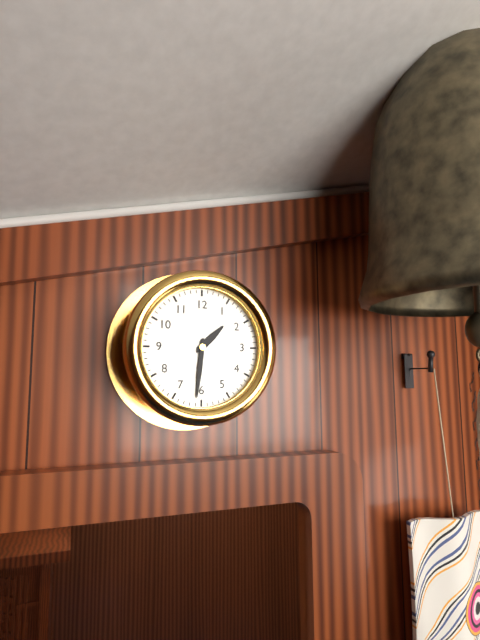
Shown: h=1 m=31
